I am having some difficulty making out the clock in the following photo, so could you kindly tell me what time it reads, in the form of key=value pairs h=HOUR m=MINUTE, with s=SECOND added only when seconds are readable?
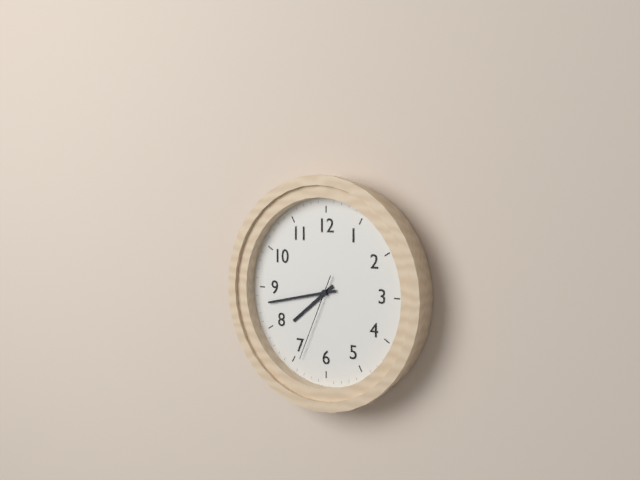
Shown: h=7 m=43 s=34
